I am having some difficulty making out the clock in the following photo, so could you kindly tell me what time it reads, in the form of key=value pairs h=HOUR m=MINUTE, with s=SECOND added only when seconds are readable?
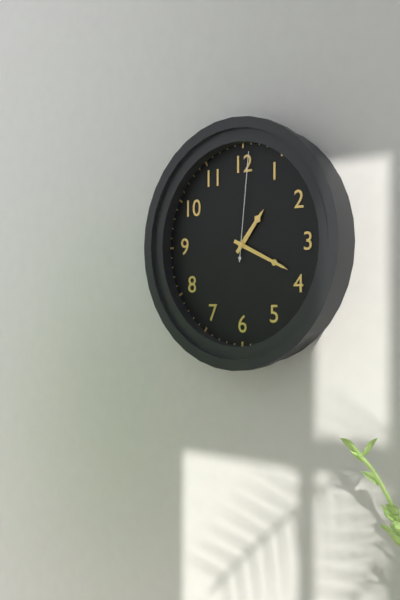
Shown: h=1 m=19 s=1
